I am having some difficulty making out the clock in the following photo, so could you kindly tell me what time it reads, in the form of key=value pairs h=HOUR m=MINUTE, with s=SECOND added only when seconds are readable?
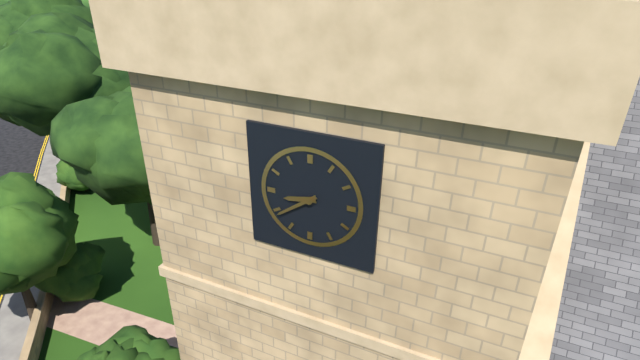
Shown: h=8 m=39
